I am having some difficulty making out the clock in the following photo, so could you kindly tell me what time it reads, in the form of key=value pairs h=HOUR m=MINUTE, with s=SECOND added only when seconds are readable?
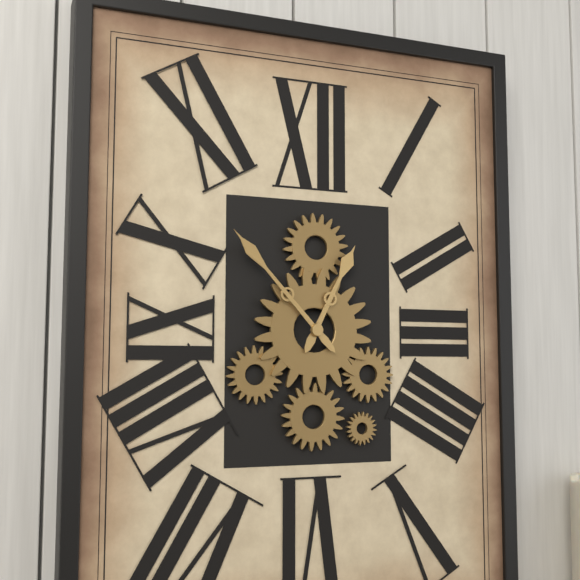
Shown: h=12 m=53
